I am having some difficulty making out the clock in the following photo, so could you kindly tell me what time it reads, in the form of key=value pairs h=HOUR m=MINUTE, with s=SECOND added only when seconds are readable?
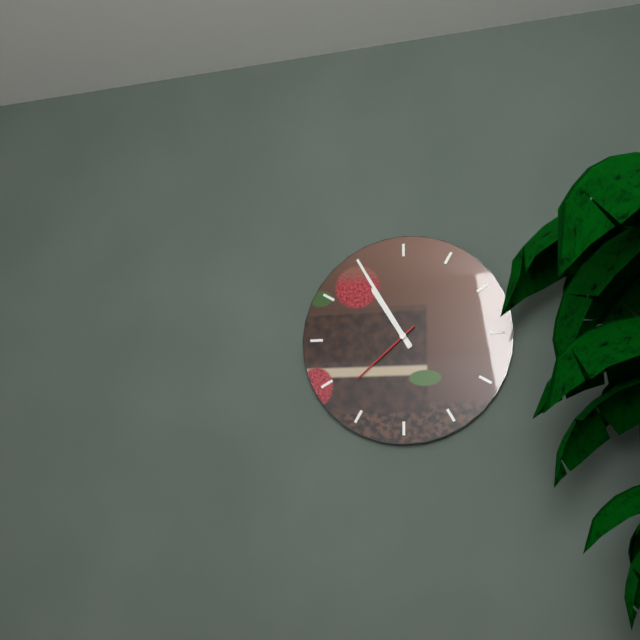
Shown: h=10 m=55 s=38
